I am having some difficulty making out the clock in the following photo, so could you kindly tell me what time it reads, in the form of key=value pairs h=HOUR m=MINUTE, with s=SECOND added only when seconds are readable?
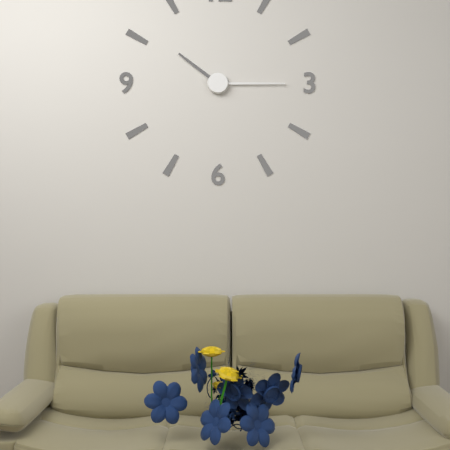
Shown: h=10 m=15
